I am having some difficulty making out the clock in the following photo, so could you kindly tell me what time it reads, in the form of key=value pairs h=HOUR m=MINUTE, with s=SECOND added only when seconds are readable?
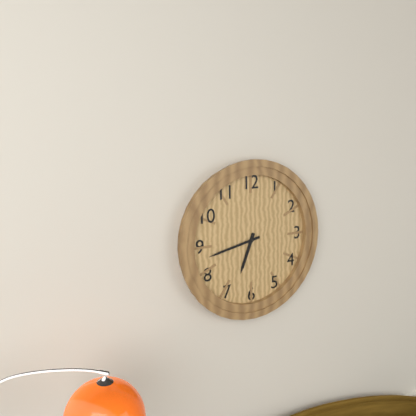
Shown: h=6 m=43
